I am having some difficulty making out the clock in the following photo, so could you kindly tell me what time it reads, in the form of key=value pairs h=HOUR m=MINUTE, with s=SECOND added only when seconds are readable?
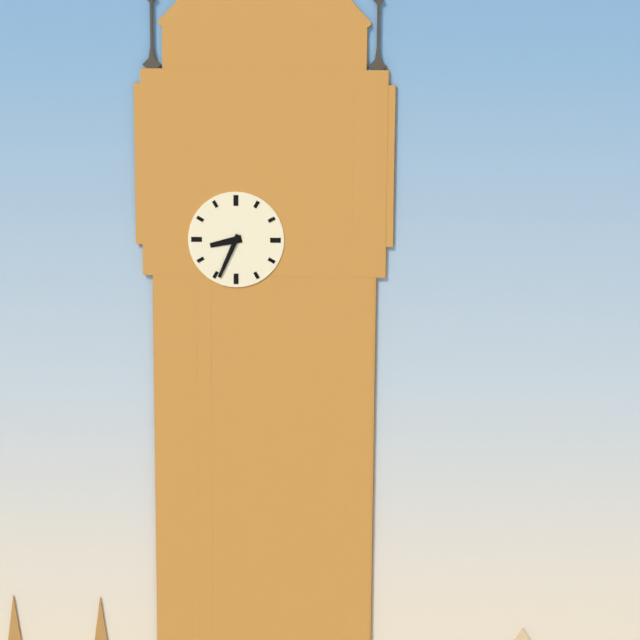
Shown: h=8 m=34
